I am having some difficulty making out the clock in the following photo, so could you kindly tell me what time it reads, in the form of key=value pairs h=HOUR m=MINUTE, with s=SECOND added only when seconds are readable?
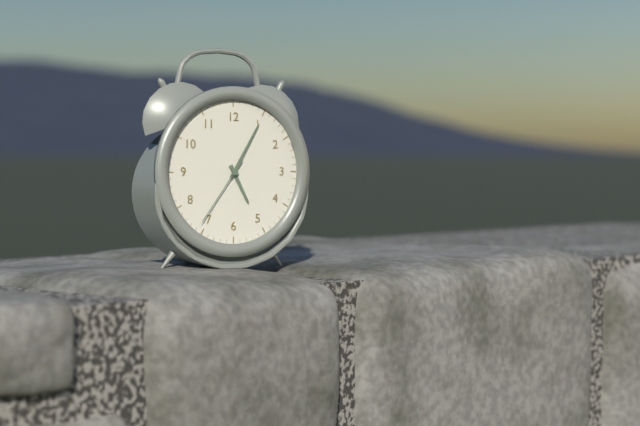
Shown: h=5 m=5 s=36
